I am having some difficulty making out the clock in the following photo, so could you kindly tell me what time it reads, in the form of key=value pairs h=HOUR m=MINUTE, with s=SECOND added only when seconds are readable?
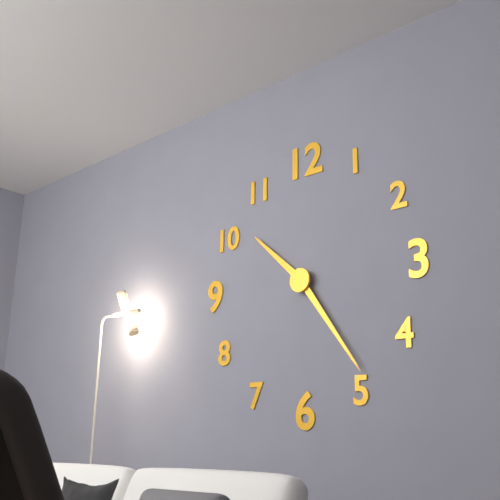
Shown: h=10 m=24
